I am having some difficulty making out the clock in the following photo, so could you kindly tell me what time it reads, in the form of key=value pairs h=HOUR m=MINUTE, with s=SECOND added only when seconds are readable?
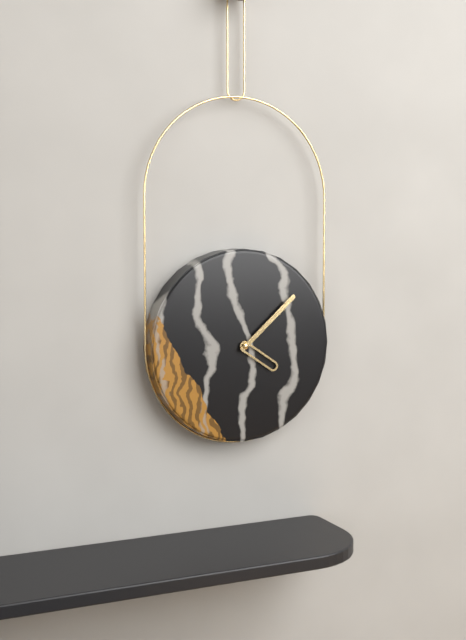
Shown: h=4 m=8
